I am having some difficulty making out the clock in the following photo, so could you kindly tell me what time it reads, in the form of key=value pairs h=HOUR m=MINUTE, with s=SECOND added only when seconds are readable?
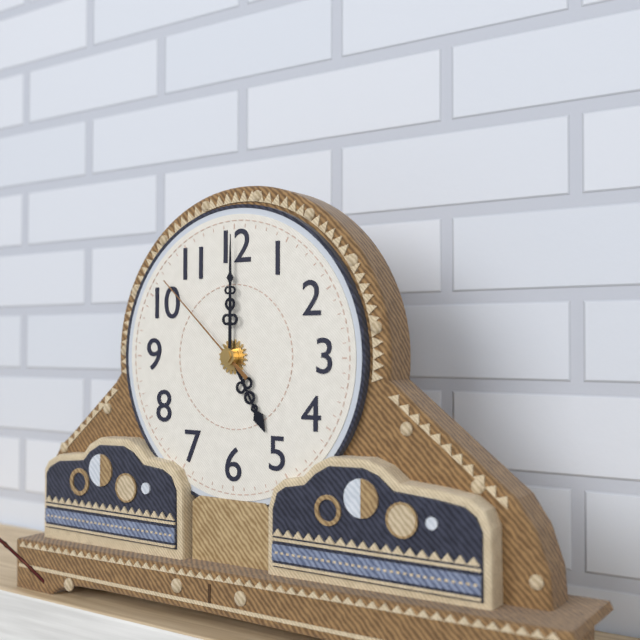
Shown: h=5 m=0 s=52
